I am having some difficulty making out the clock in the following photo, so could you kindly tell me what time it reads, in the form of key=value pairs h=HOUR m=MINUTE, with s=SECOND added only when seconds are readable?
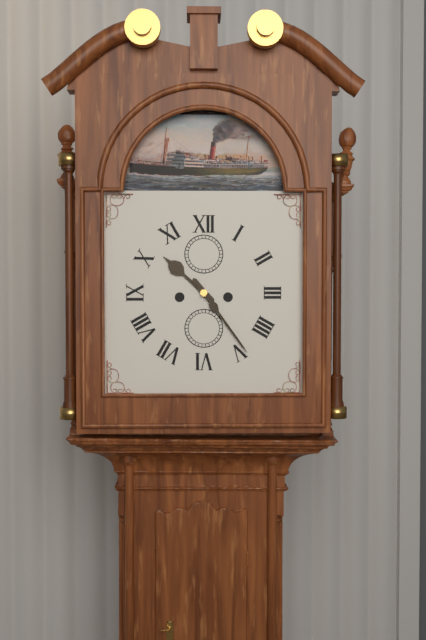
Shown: h=10 m=24
